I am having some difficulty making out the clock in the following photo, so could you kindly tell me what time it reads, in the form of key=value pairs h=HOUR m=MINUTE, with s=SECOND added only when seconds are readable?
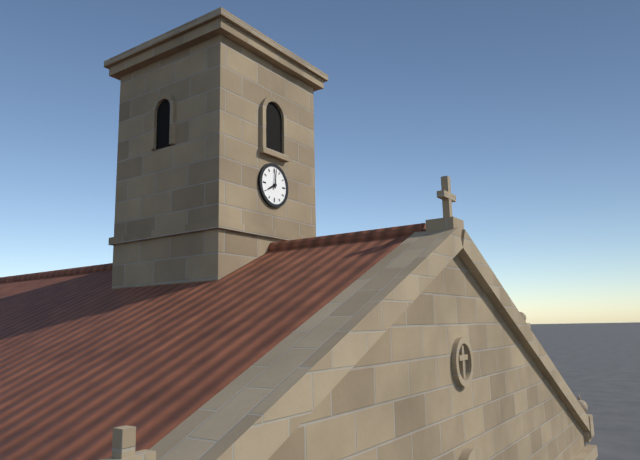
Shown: h=8 m=1
